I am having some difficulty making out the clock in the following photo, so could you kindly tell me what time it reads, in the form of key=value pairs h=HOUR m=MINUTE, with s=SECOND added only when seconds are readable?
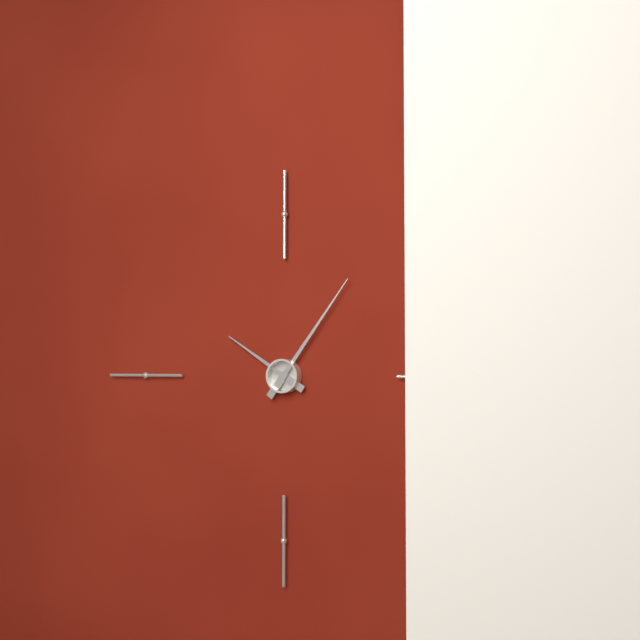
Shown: h=10 m=6
